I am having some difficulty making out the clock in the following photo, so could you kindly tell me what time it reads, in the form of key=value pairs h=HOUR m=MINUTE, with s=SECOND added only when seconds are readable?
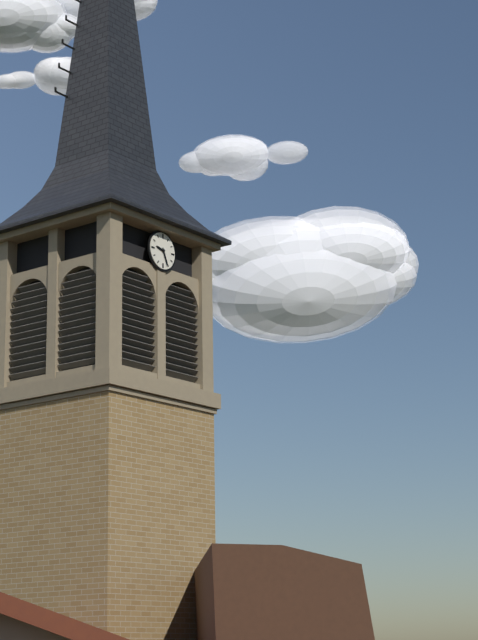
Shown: h=9 m=26
